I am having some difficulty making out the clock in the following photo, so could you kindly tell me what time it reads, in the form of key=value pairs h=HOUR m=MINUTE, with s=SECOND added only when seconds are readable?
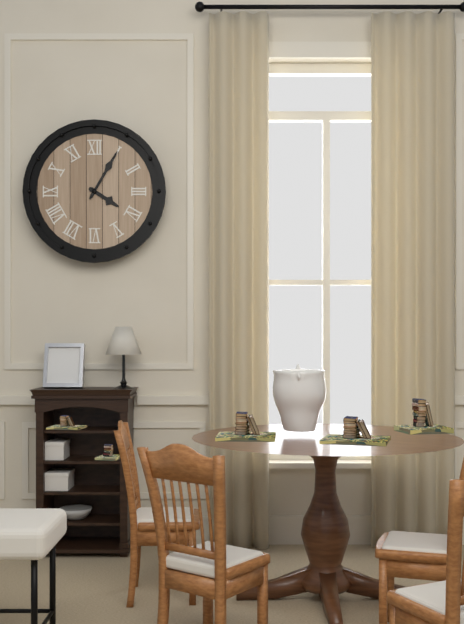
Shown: h=4 m=5
